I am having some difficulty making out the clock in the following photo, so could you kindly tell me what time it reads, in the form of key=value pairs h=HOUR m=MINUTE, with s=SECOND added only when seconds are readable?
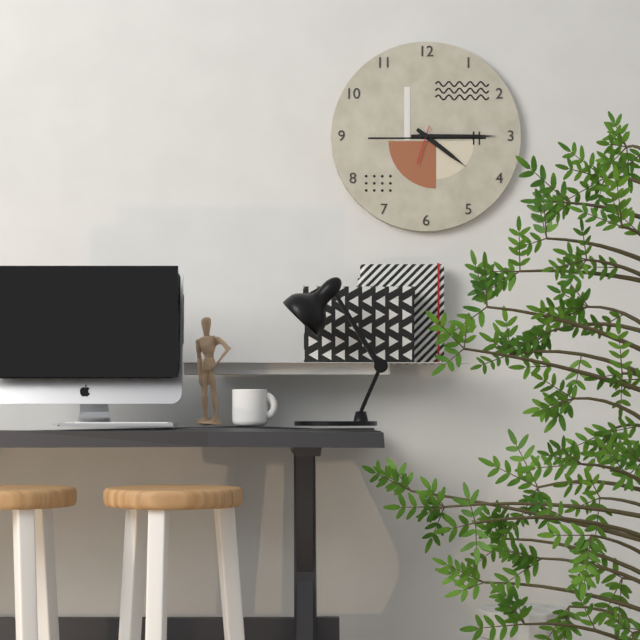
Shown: h=4 m=15
